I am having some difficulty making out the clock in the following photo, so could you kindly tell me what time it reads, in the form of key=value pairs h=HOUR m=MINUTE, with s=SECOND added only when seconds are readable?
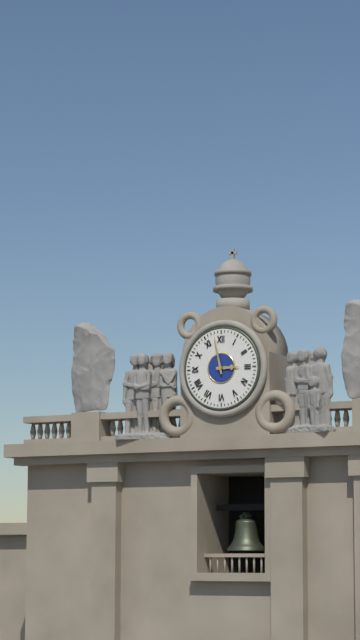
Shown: h=2 m=58
